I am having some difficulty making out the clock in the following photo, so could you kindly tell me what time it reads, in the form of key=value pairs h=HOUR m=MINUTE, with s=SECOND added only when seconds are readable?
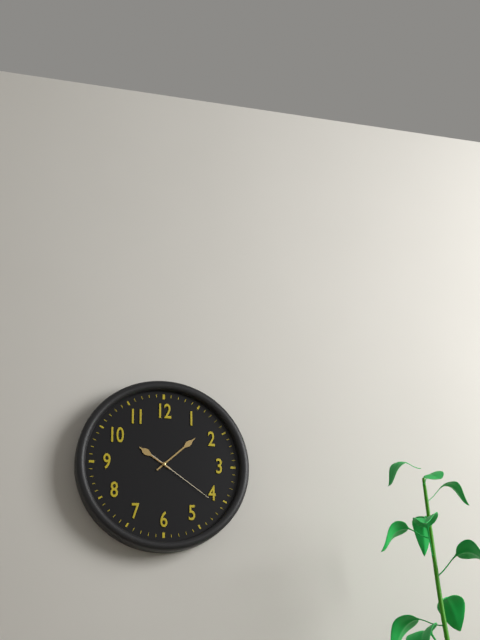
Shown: h=10 m=8 s=21
